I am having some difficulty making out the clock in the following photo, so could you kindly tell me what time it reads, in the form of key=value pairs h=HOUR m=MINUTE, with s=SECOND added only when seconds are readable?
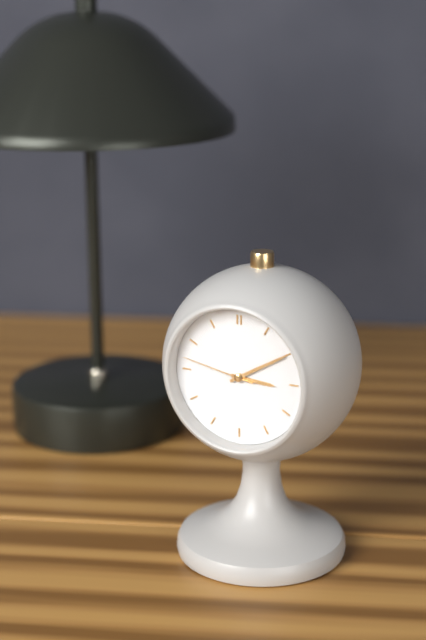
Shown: h=3 m=10 s=47
